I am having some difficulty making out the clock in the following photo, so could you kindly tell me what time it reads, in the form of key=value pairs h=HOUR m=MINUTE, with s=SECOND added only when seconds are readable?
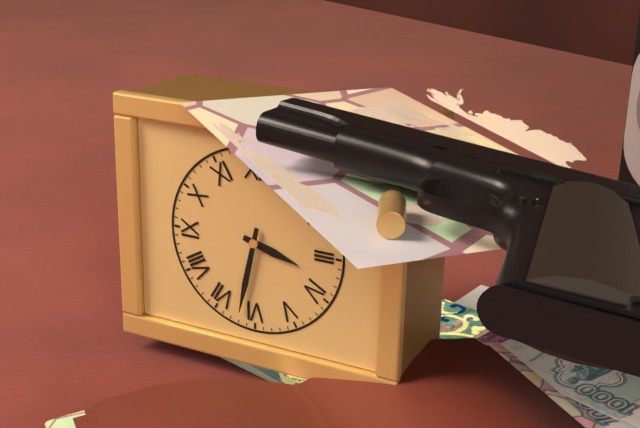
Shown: h=3 m=32
